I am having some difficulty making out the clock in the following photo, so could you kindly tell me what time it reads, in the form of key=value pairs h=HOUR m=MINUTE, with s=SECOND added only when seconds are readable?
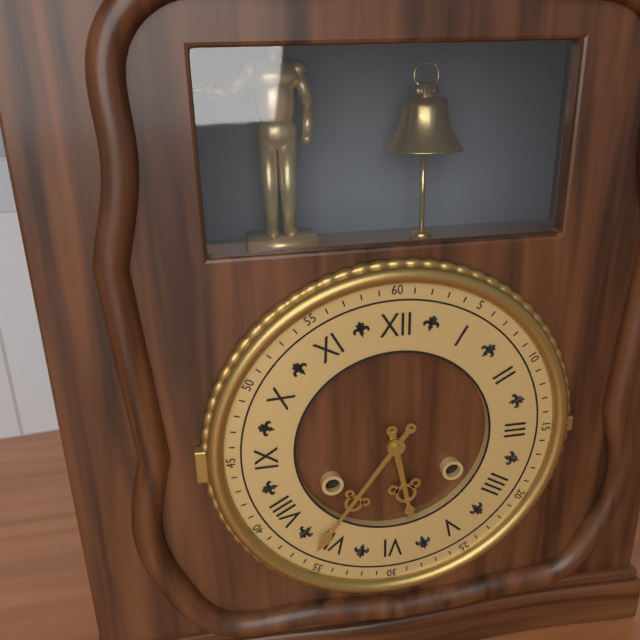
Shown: h=5 m=36
